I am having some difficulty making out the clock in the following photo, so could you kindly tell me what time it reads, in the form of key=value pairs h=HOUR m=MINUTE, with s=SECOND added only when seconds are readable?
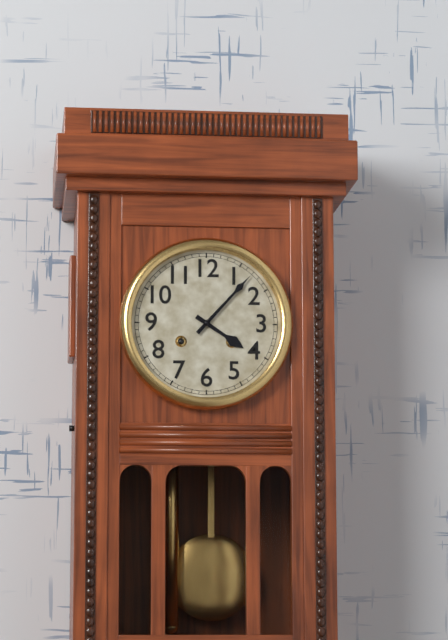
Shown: h=4 m=7
